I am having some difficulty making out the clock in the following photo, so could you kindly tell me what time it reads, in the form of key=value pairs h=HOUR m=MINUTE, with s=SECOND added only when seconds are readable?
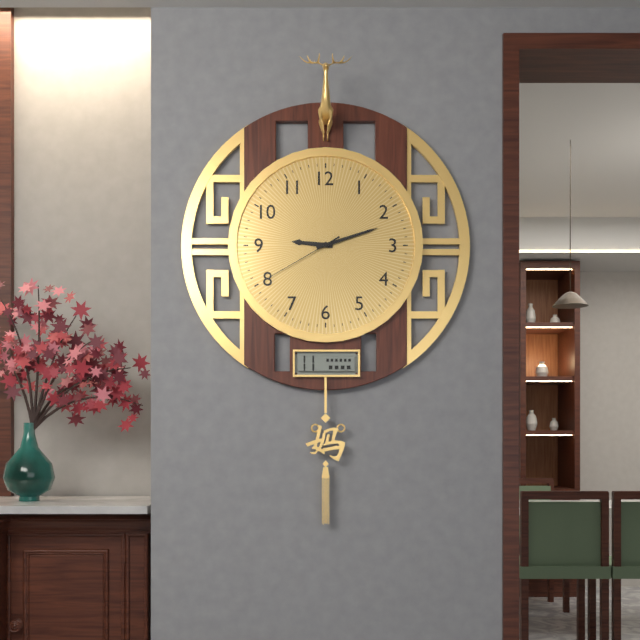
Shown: h=9 m=12 s=40
